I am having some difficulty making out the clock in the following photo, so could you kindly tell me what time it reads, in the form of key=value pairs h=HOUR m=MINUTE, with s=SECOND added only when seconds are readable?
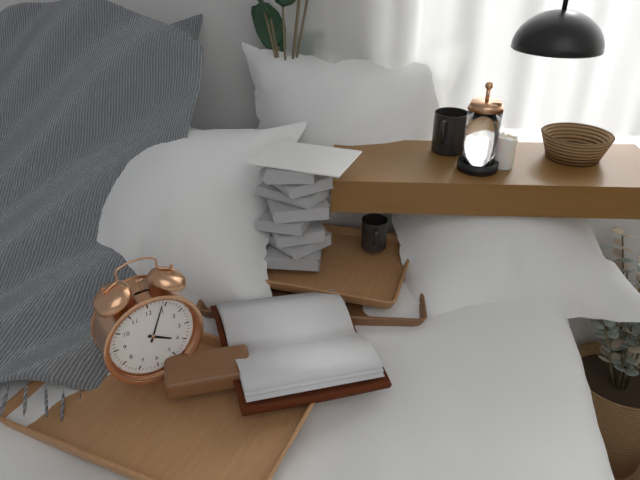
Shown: h=4 m=4
